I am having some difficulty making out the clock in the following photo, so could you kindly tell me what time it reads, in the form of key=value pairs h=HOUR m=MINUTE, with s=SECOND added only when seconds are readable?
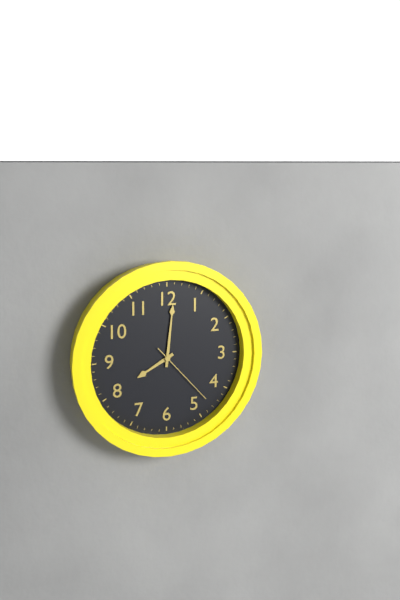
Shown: h=8 m=1 s=23
